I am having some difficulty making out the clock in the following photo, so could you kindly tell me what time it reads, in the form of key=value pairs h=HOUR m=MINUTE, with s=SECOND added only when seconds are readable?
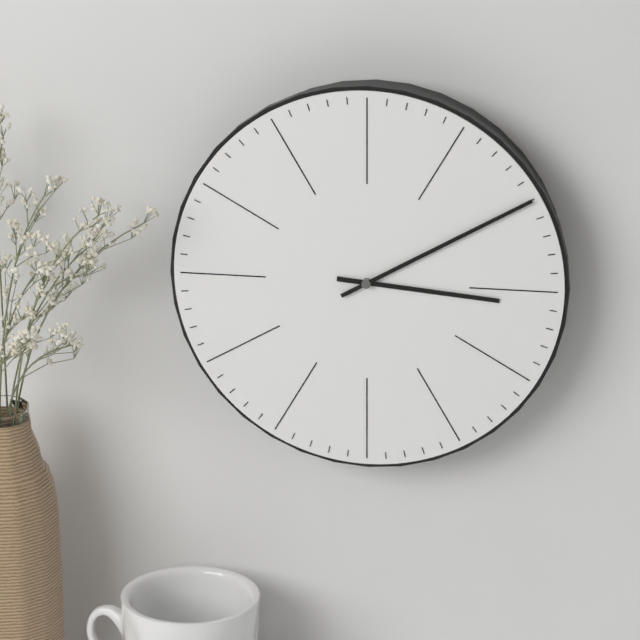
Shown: h=3 m=10
